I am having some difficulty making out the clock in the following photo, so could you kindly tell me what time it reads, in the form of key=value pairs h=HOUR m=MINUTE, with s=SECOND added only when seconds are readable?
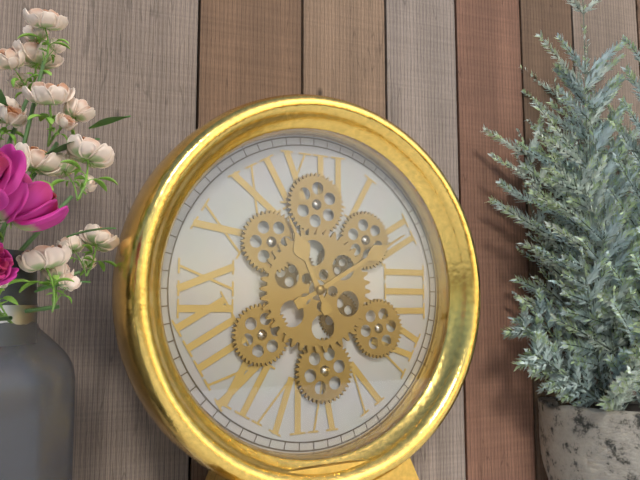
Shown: h=11 m=10
